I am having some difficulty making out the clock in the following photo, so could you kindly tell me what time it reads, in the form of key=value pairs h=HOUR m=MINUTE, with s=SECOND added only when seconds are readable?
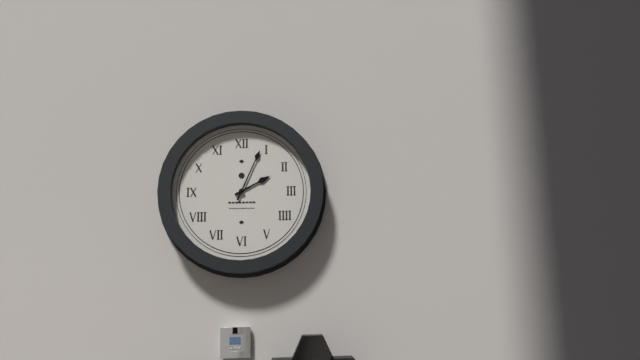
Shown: h=2 m=4
